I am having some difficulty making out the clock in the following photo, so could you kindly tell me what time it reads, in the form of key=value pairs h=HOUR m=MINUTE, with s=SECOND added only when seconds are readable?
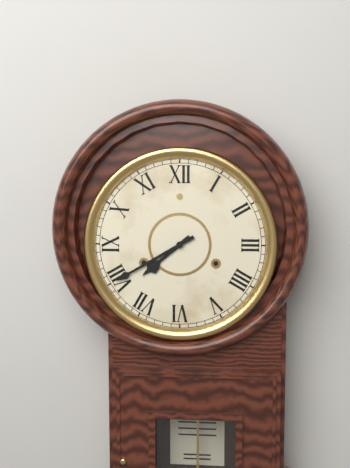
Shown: h=7 m=40
